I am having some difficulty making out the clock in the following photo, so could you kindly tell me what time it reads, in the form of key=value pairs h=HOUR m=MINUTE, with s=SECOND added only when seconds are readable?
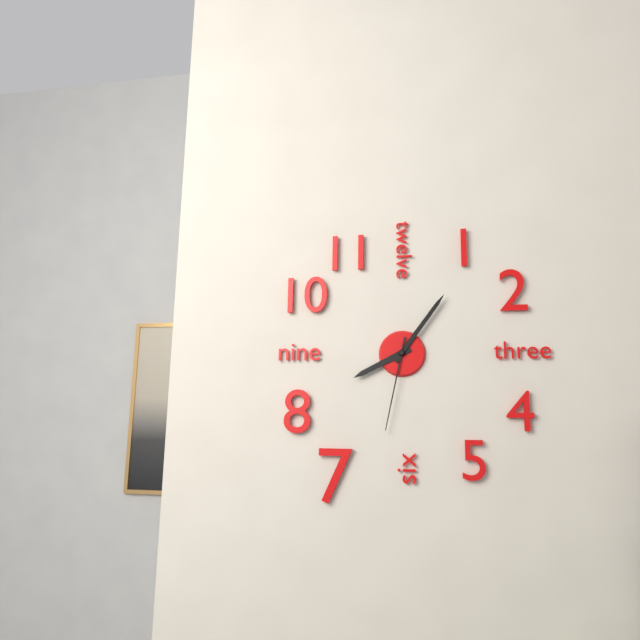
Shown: h=8 m=6 s=32
